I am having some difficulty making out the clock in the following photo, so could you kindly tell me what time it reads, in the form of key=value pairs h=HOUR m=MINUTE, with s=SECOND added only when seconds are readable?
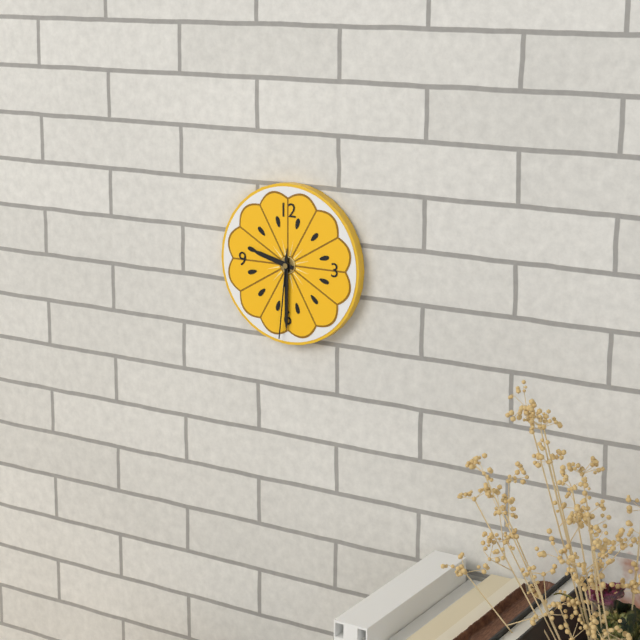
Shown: h=9 m=30 s=31
